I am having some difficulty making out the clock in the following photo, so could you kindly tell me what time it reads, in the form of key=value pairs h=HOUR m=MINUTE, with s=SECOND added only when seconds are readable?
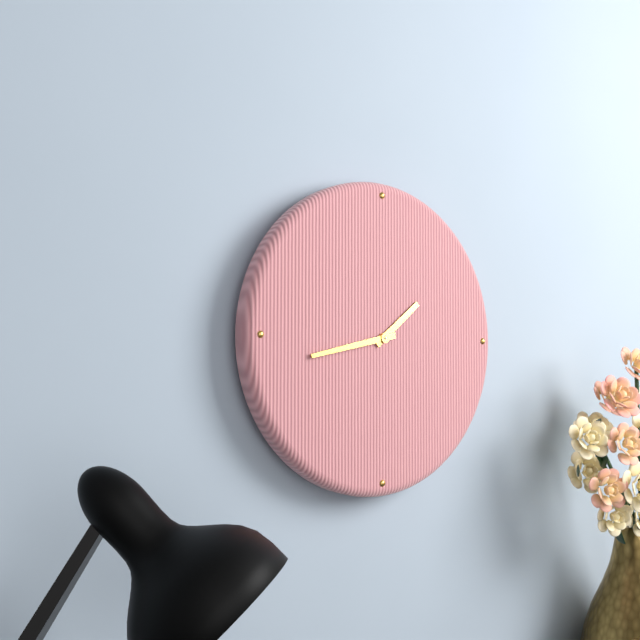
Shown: h=1 m=43
